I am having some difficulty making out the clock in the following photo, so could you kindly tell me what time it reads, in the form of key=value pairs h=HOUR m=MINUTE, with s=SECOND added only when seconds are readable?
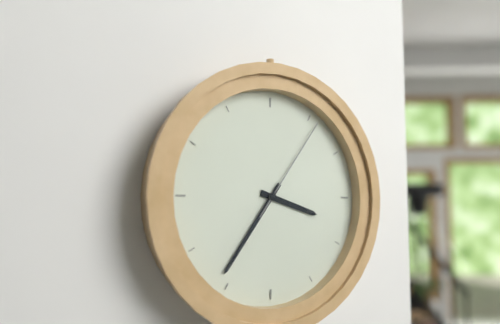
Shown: h=3 m=36 s=6
